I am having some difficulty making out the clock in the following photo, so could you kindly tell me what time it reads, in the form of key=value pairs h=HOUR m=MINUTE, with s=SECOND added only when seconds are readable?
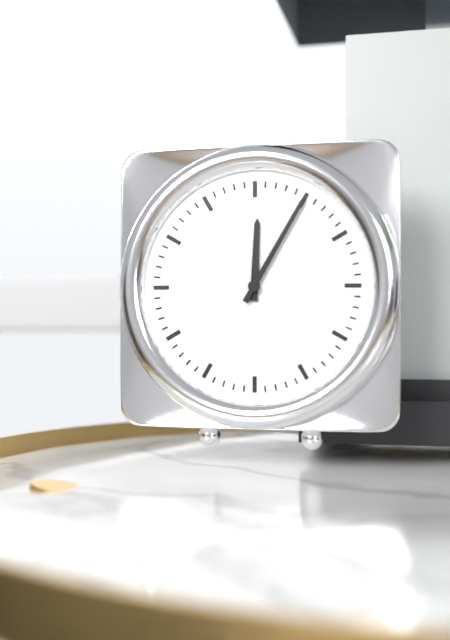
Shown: h=12 m=5
